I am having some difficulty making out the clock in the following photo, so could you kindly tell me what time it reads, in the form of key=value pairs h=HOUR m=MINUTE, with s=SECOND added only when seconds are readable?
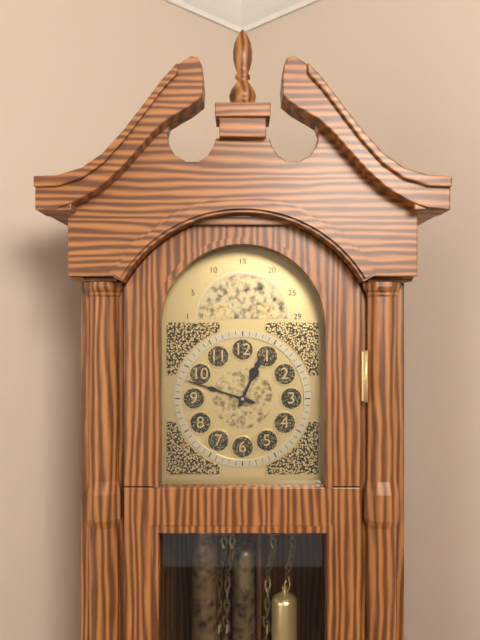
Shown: h=12 m=48
